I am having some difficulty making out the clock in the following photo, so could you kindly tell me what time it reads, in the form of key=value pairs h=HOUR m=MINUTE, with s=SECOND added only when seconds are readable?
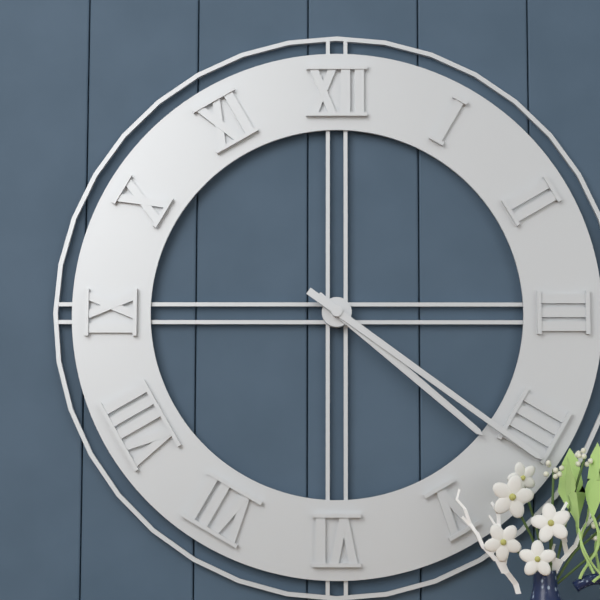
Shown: h=4 m=21
